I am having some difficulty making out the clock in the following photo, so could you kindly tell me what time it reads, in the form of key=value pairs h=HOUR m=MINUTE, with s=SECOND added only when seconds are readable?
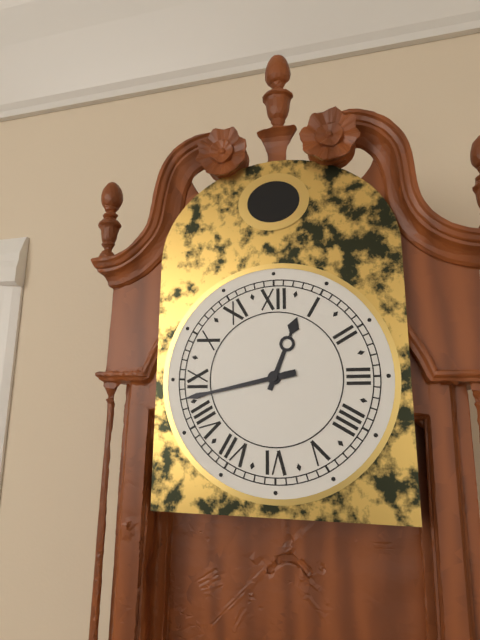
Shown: h=12 m=43
